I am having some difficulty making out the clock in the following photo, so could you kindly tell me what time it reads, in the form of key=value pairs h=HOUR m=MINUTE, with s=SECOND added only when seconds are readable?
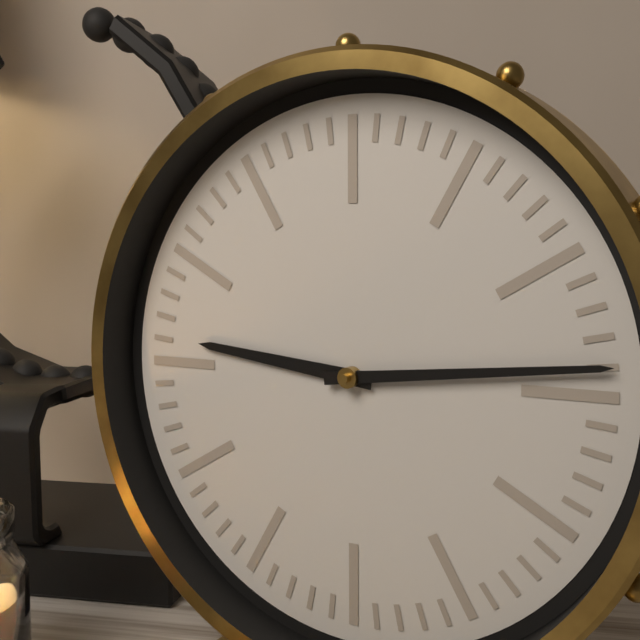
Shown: h=9 m=14
